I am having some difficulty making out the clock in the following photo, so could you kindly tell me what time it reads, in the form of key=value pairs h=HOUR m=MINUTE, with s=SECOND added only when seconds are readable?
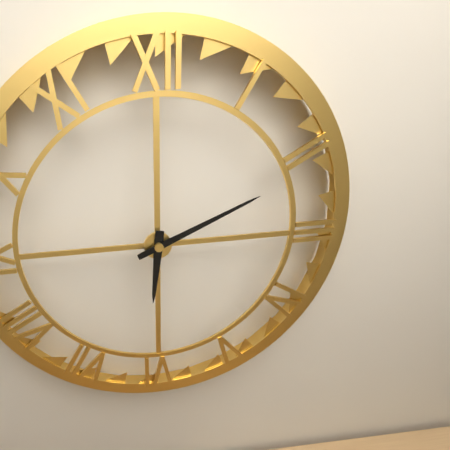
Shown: h=6 m=11
